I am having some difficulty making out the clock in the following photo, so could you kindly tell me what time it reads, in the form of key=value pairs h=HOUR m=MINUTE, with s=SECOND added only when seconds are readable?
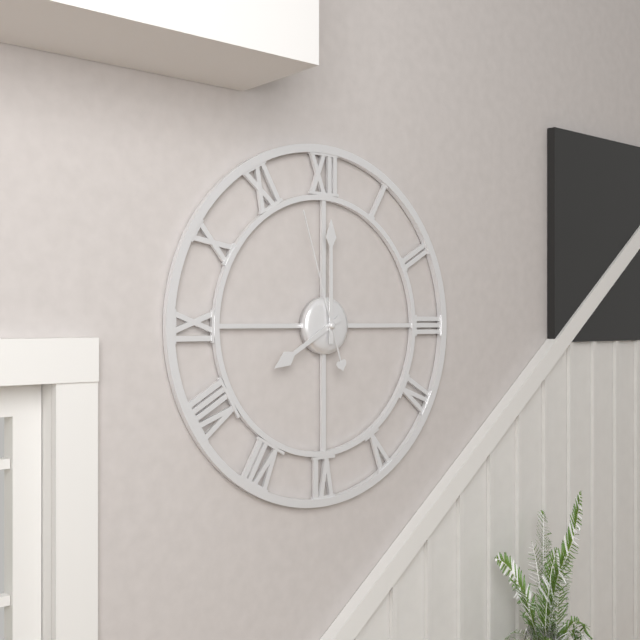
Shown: h=8 m=0 s=57
